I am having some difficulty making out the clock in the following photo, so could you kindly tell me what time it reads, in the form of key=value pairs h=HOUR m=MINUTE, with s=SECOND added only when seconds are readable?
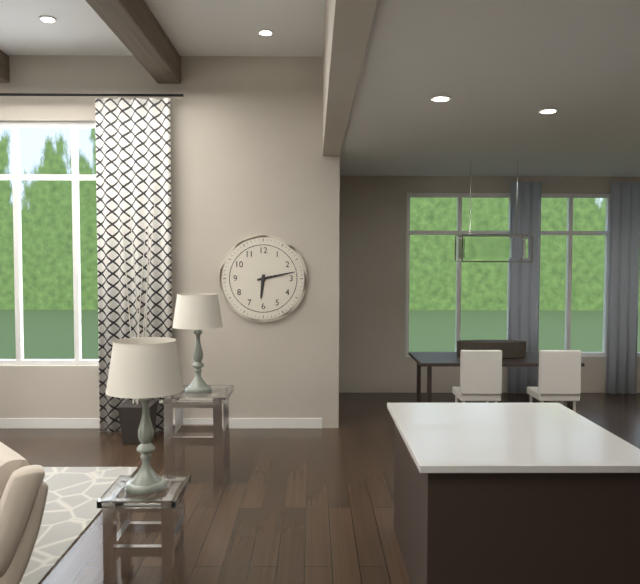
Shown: h=6 m=13
